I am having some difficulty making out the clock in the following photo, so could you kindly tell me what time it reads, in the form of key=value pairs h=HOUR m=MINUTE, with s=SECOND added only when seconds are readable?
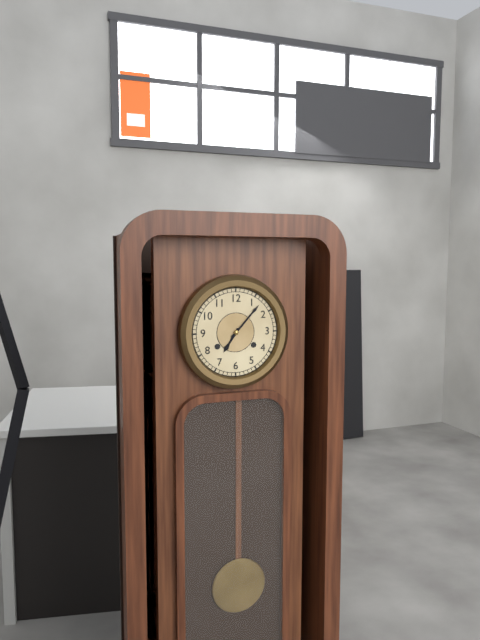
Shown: h=7 m=7
